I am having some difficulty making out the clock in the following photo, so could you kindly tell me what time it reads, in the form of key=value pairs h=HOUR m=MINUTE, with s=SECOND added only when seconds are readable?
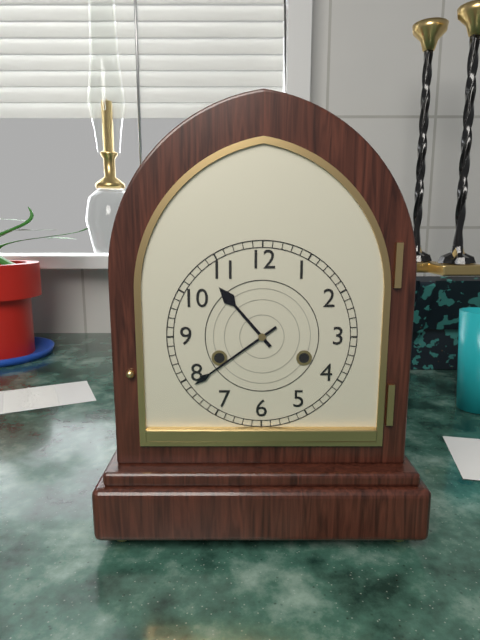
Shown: h=10 m=39
